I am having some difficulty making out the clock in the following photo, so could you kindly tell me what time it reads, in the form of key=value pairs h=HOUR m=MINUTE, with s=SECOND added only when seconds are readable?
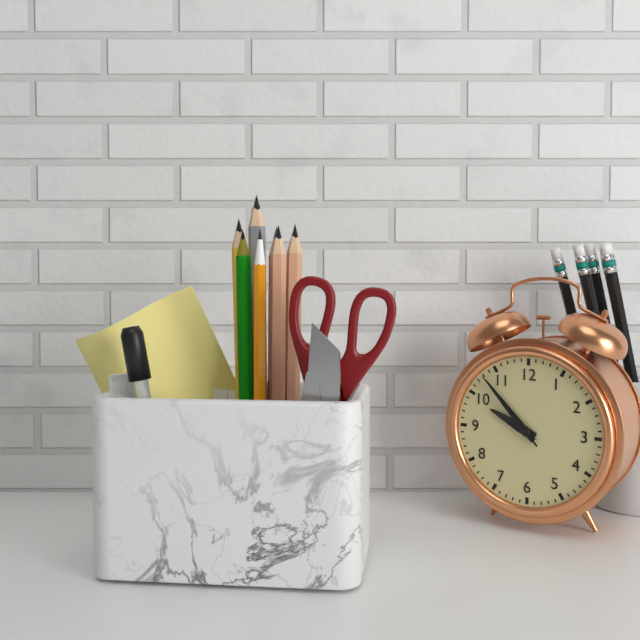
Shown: h=9 m=53 s=53
